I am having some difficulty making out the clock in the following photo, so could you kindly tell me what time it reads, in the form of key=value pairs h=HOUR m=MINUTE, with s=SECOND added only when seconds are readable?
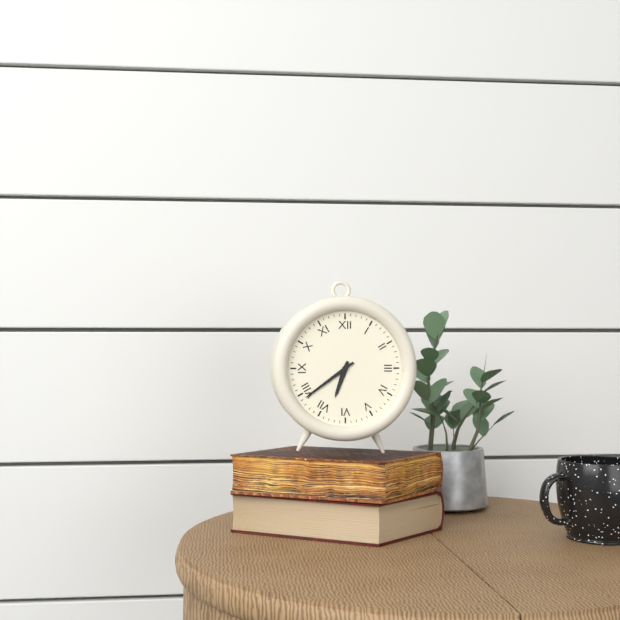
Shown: h=6 m=39
